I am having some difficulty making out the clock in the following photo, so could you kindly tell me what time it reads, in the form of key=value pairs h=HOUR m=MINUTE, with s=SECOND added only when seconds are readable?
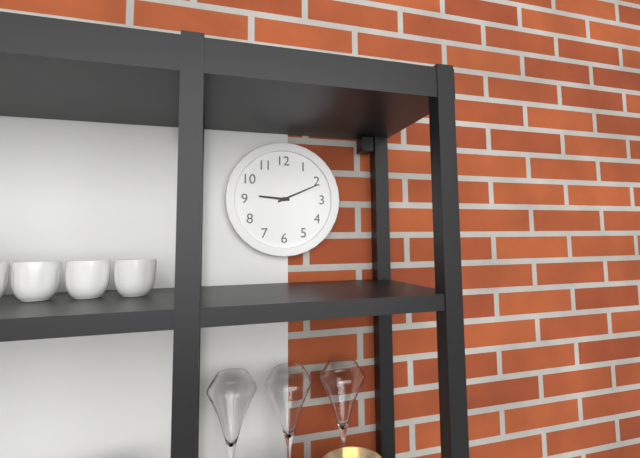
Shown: h=9 m=11
